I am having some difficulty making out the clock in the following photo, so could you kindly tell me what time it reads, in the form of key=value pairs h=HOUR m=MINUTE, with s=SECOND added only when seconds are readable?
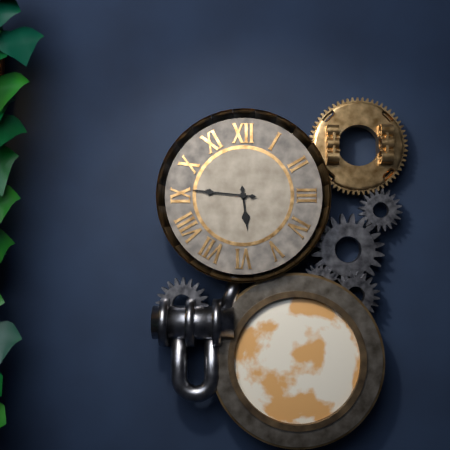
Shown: h=5 m=46
